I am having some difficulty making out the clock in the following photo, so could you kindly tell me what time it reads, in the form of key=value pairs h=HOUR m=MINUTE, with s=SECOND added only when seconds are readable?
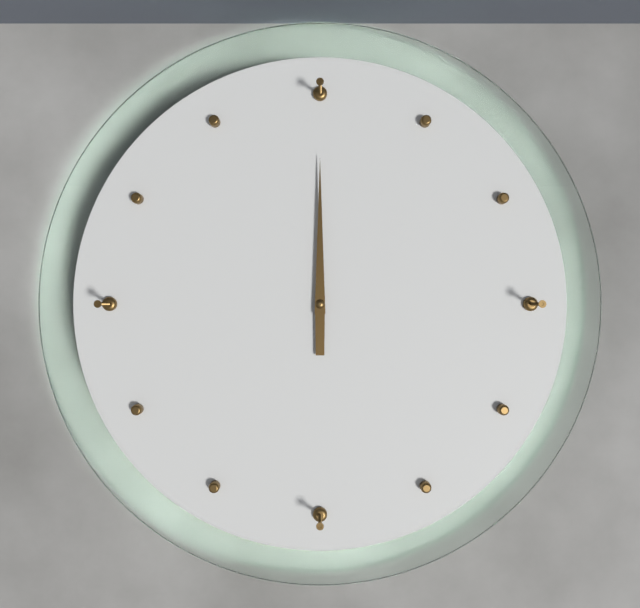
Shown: h=6 m=0
